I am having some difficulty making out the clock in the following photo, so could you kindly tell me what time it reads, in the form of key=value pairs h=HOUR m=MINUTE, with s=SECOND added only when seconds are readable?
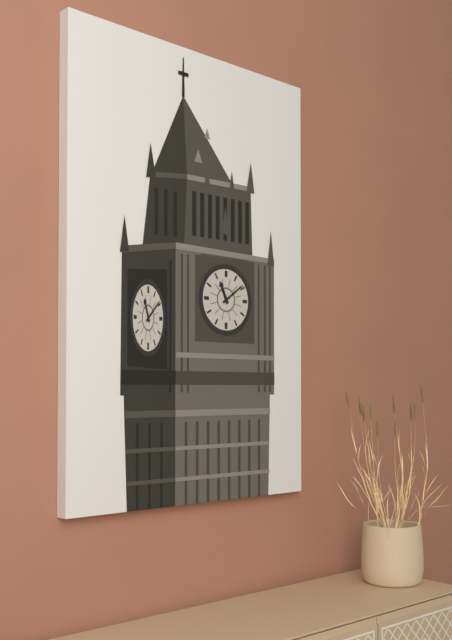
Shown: h=11 m=9
